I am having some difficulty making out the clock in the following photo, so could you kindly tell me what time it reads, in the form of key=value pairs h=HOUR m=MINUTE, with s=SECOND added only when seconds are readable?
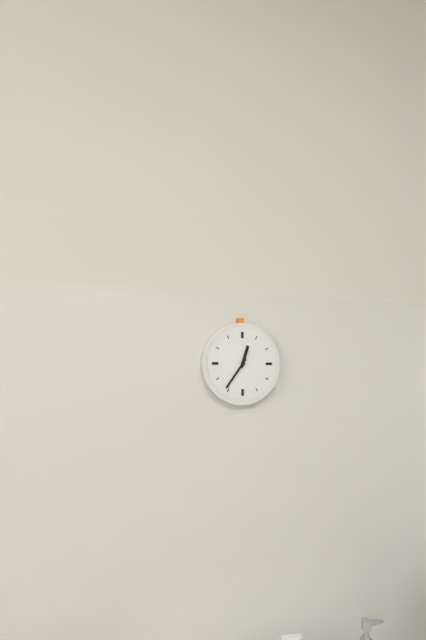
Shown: h=12 m=36
